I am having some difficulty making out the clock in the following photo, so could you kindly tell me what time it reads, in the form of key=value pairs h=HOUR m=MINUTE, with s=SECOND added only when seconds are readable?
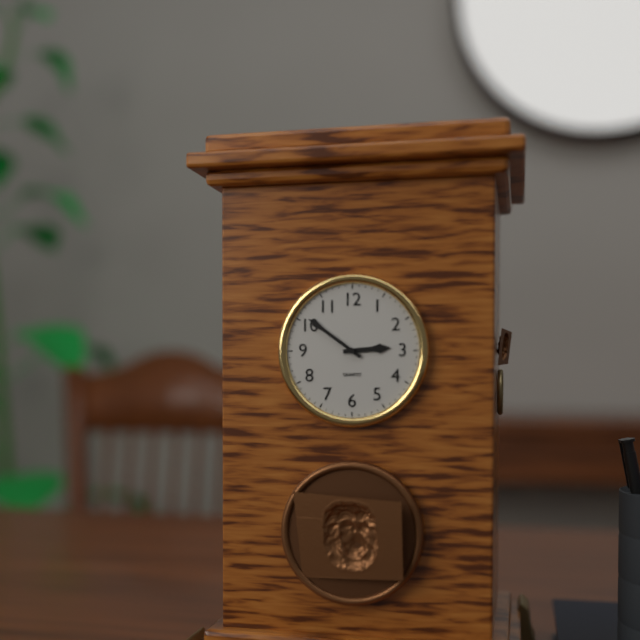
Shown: h=2 m=51
